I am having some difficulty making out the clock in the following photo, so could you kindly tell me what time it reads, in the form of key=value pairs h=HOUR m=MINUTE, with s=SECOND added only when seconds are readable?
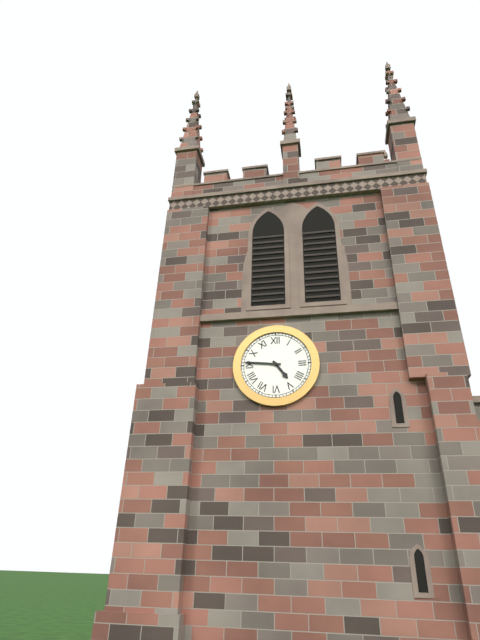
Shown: h=4 m=46
